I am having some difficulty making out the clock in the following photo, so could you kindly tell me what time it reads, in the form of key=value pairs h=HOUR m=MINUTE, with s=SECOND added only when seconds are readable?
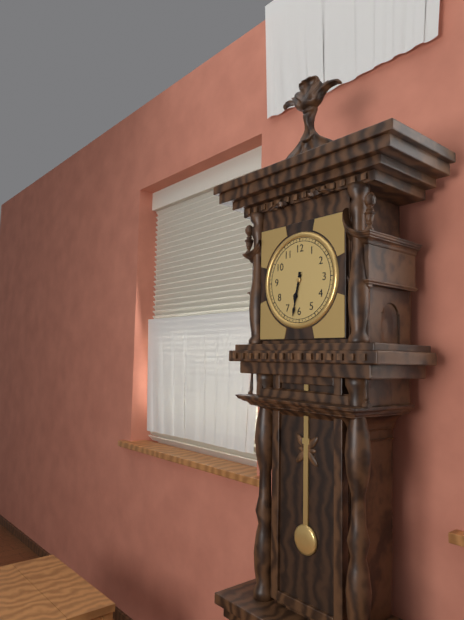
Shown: h=6 m=32
